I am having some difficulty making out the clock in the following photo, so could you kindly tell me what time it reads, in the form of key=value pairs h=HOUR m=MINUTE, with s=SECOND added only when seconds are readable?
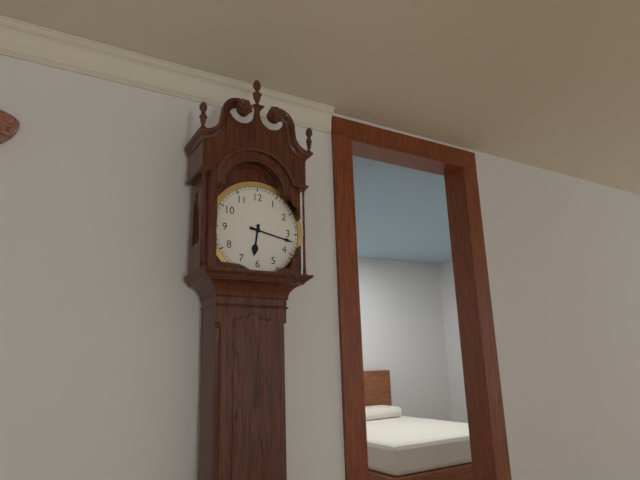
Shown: h=6 m=17
